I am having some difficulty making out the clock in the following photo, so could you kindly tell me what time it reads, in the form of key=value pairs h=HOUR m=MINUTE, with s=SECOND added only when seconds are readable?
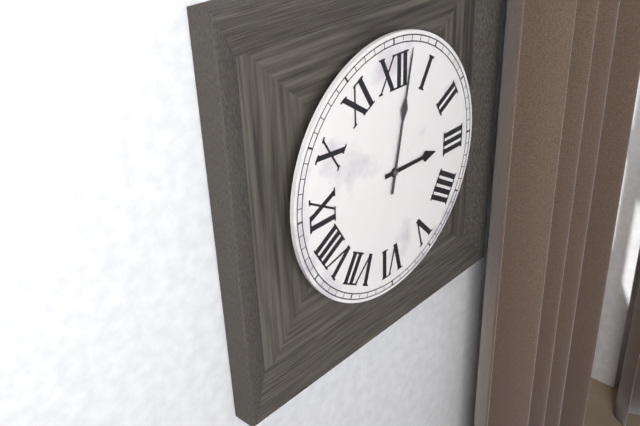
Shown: h=3 m=2
